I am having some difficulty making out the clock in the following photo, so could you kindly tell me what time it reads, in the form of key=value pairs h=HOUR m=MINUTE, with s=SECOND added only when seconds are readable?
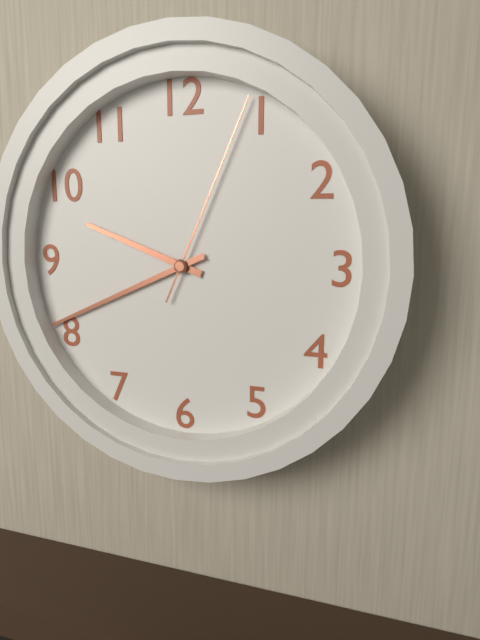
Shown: h=9 m=41 s=4
